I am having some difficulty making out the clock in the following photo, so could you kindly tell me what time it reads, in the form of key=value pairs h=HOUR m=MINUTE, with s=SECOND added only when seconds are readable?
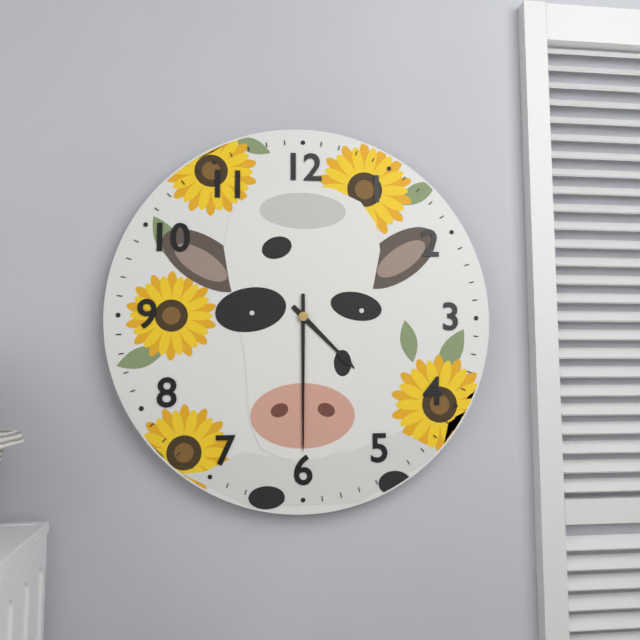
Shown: h=4 m=30
